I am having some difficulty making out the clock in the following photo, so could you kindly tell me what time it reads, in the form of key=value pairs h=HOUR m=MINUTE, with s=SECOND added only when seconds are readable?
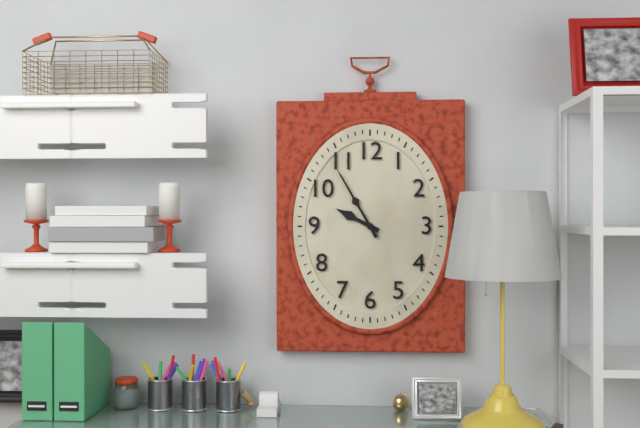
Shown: h=9 m=55
